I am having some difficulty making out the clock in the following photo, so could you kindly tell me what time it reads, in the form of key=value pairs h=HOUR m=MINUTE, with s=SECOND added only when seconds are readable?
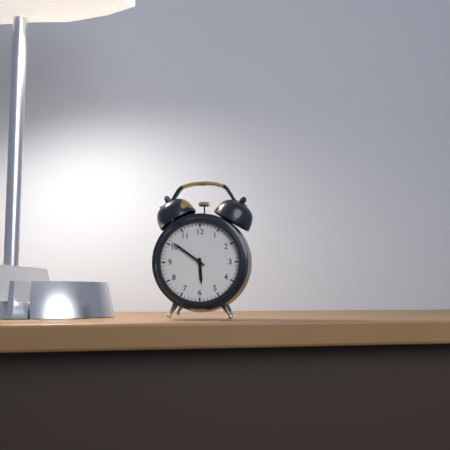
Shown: h=5 m=51
